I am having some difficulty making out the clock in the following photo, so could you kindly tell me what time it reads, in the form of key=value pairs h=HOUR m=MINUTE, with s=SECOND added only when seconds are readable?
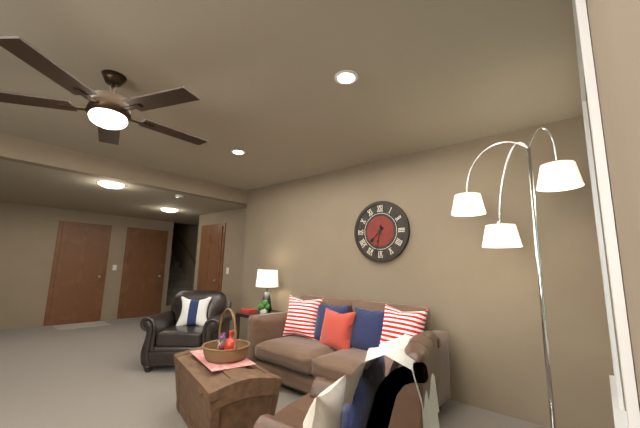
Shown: h=7 m=32
